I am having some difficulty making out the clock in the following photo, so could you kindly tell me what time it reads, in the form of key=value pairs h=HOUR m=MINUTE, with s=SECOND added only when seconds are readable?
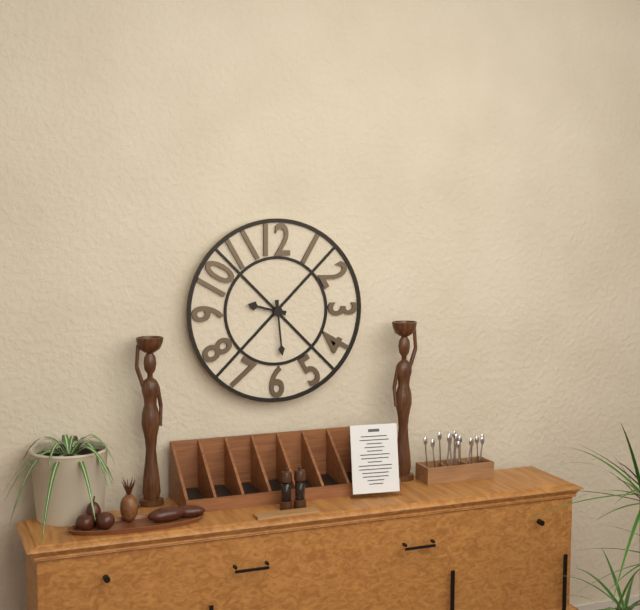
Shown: h=9 m=29
